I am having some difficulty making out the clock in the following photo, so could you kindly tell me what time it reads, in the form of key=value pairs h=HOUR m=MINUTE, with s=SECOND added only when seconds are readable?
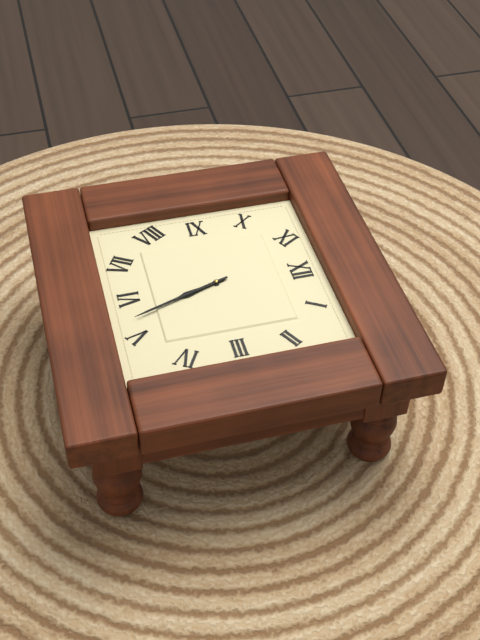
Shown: h=5 m=27
